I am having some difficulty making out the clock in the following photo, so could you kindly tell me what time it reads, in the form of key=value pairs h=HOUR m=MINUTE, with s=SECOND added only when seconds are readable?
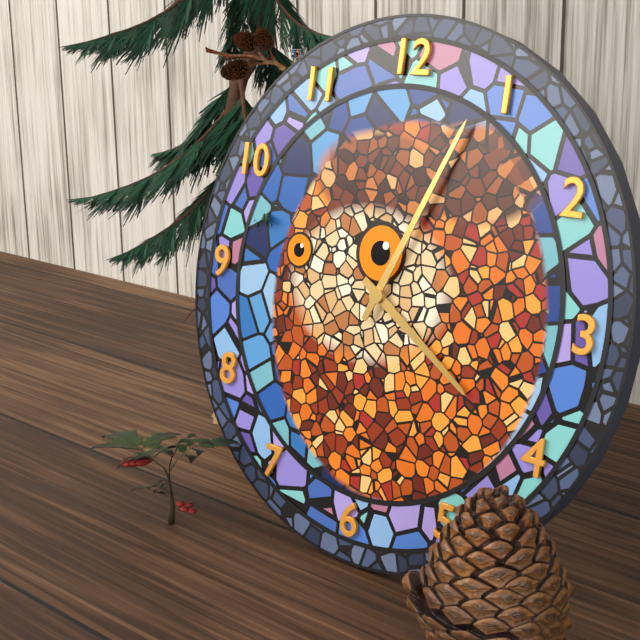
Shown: h=4 m=4
